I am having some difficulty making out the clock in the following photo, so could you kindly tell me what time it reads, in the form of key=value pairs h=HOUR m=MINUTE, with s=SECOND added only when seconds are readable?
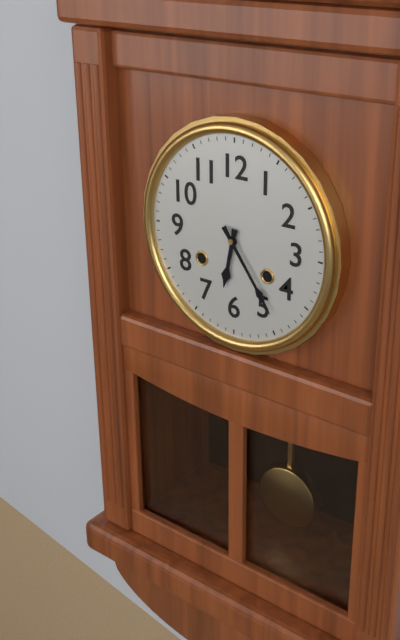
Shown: h=6 m=24
